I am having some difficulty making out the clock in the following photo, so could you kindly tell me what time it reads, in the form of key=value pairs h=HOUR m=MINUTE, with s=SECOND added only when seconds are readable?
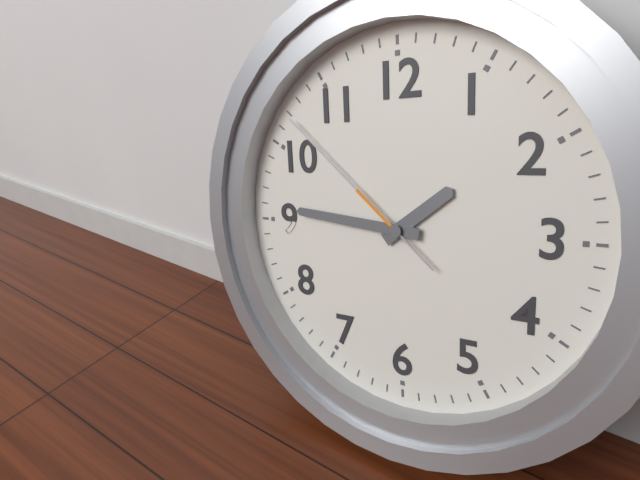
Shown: h=1 m=46 s=52
